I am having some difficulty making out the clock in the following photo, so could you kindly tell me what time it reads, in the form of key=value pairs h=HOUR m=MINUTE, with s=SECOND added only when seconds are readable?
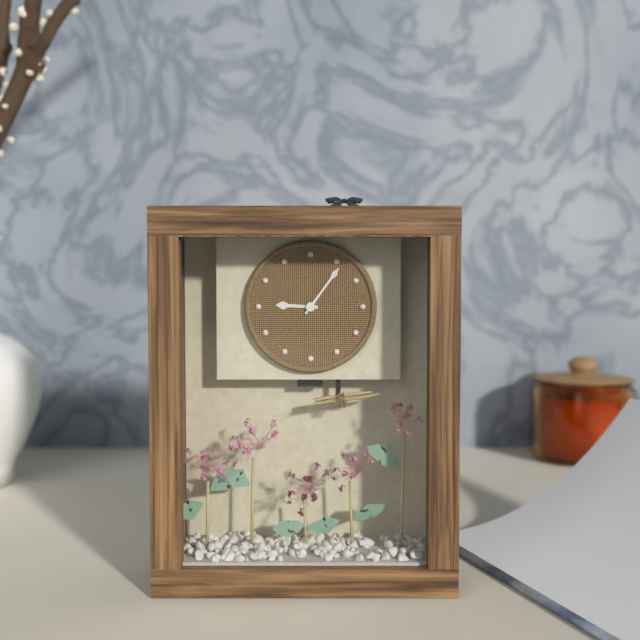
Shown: h=9 m=6
